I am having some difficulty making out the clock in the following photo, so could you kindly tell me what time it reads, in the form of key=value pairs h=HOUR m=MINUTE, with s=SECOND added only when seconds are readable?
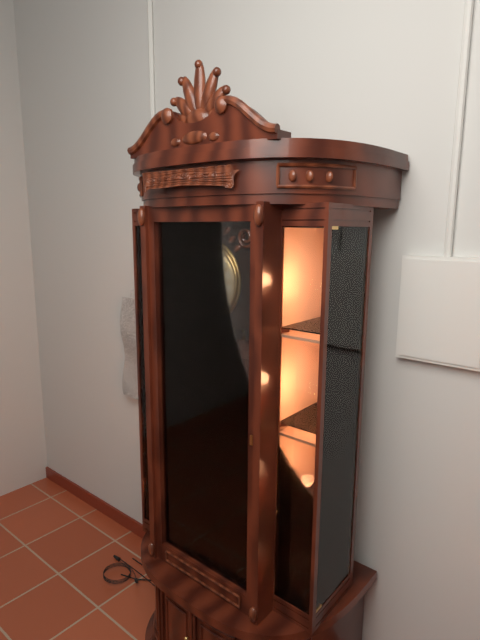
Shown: h=2 m=20
